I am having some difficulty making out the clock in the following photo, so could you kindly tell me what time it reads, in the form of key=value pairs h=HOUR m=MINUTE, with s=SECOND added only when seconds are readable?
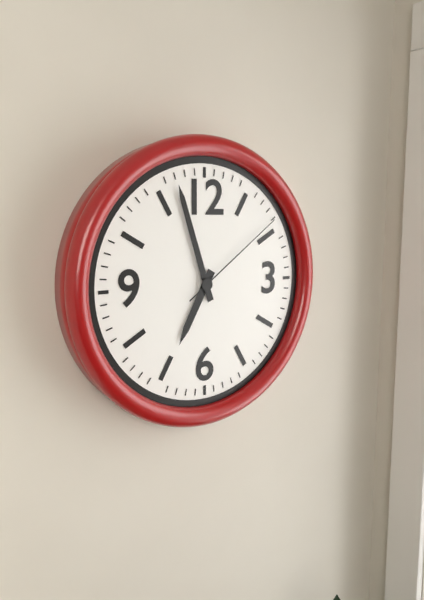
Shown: h=6 m=57 s=9
